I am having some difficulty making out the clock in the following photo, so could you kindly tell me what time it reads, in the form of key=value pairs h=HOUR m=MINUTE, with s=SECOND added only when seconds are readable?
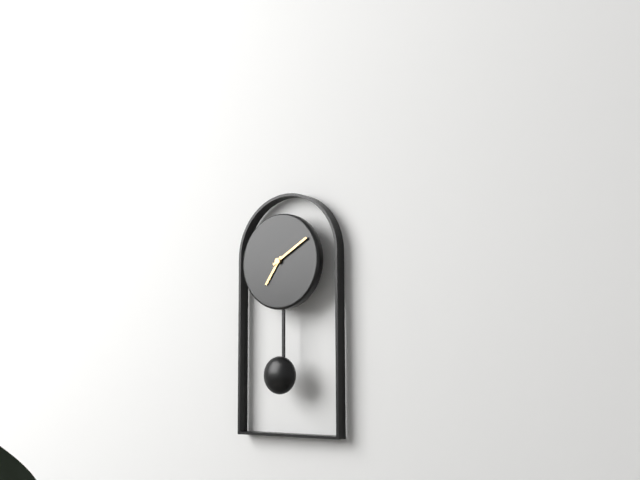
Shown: h=7 m=10
